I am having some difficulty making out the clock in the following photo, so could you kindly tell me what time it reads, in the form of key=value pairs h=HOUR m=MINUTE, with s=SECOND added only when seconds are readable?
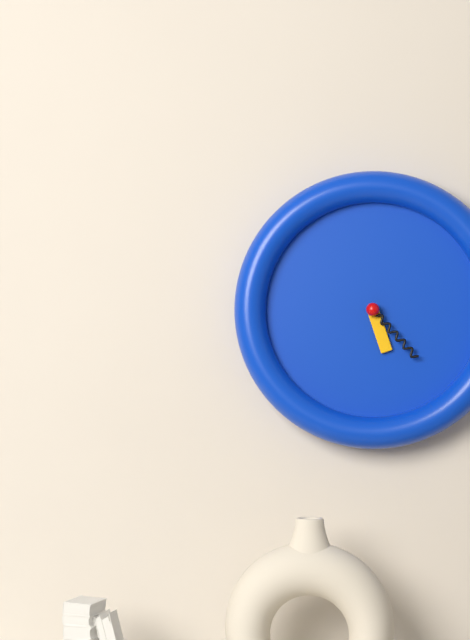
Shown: h=5 m=23
